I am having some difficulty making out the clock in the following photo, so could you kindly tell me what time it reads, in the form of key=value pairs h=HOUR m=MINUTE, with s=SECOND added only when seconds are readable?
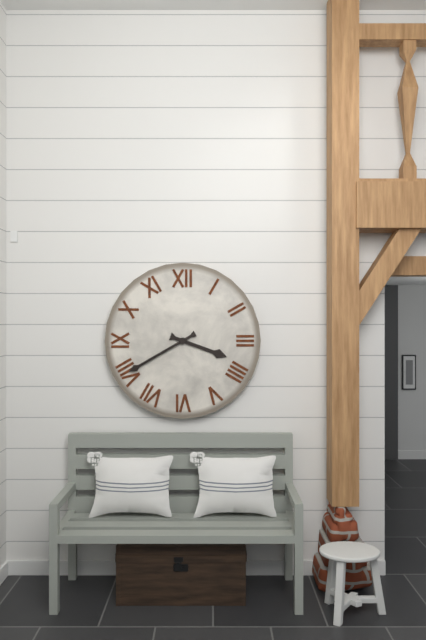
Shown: h=3 m=40
